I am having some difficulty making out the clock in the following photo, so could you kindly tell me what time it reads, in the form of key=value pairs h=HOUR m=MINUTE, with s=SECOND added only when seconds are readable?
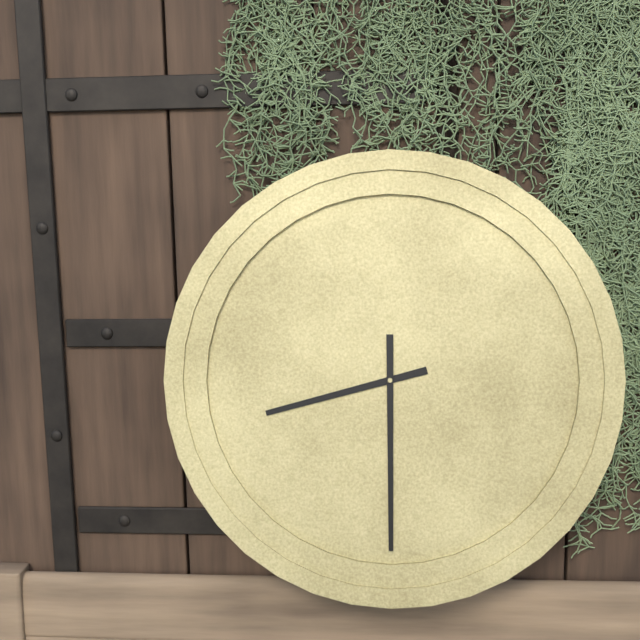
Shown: h=8 m=30
